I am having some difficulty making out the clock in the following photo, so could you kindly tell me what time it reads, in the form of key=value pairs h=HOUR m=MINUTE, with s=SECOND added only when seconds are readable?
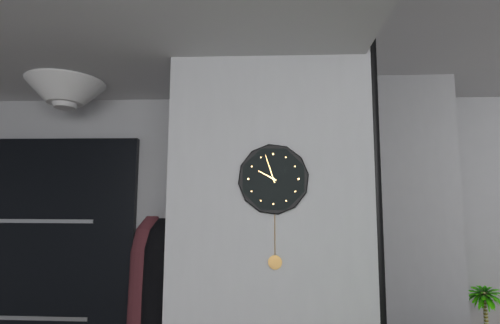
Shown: h=9 m=57
